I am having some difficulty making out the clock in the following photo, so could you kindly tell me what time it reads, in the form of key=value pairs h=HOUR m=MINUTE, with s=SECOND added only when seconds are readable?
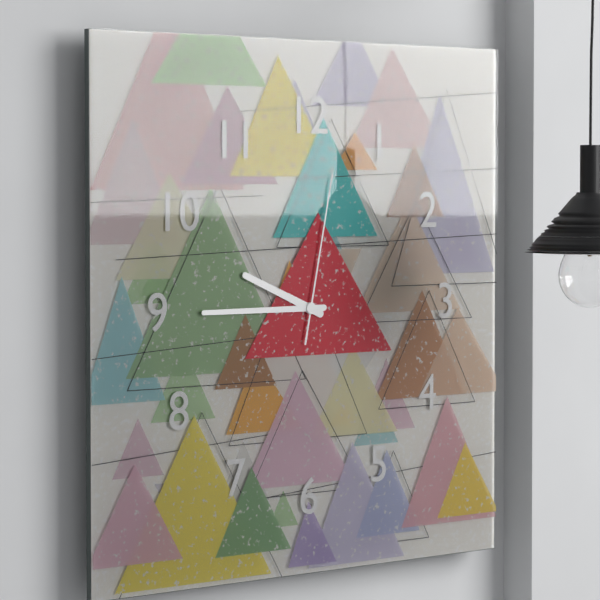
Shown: h=9 m=45 s=2
